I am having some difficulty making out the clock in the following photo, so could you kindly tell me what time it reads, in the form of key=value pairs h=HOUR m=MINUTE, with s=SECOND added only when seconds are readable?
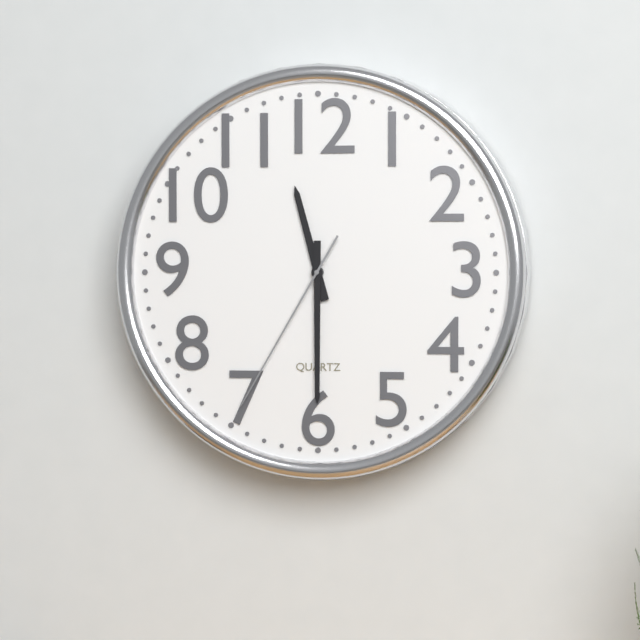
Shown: h=11 m=30 s=35
